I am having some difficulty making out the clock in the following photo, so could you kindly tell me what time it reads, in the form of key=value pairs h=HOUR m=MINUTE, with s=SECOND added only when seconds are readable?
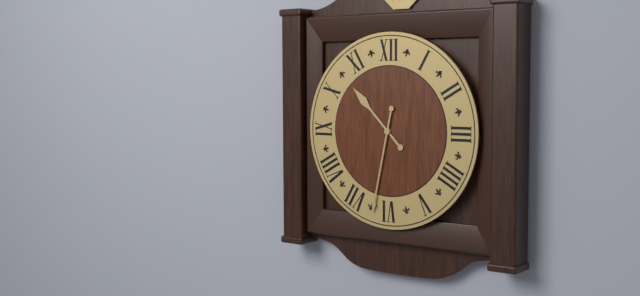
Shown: h=10 m=32
